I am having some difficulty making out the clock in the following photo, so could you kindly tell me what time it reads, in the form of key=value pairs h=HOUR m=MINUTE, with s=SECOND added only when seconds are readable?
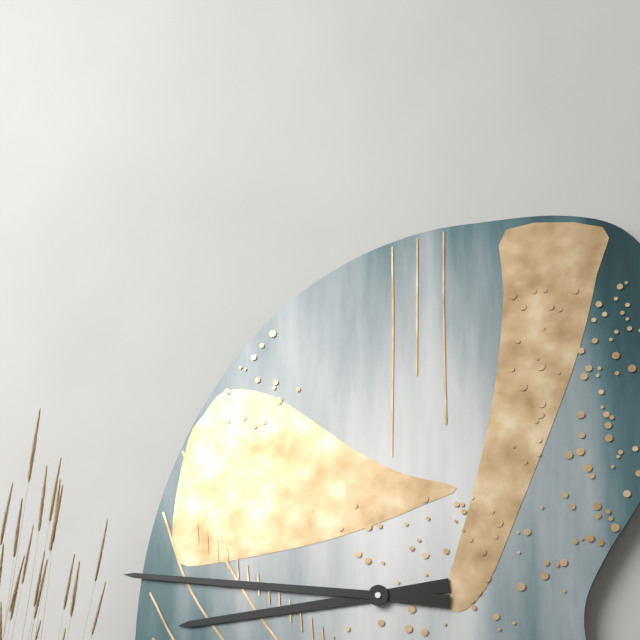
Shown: h=8 m=46
